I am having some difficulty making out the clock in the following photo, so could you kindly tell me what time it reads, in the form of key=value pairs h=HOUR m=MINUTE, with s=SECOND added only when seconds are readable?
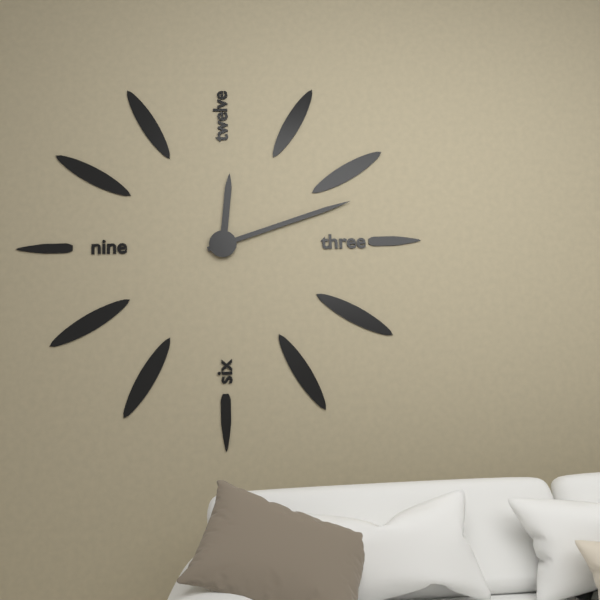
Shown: h=12 m=12
